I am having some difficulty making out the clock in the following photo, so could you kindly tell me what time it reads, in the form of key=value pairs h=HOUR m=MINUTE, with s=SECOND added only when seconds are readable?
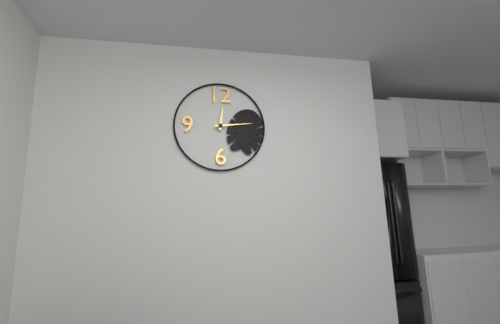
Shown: h=12 m=14
